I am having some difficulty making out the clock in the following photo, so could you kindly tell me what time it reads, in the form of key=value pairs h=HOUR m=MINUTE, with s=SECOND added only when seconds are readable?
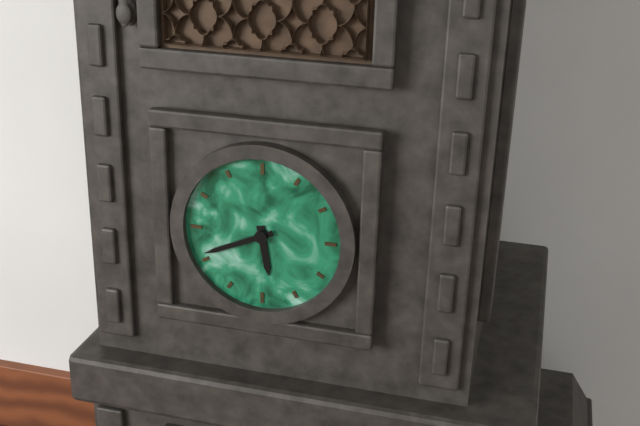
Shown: h=5 m=41
